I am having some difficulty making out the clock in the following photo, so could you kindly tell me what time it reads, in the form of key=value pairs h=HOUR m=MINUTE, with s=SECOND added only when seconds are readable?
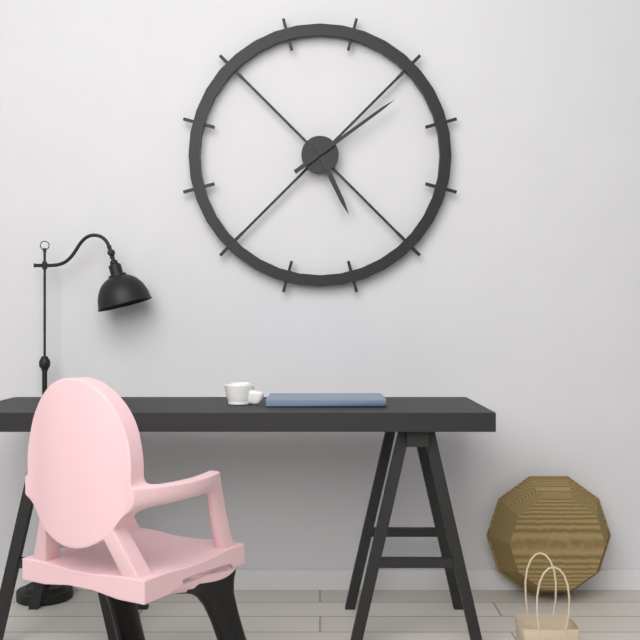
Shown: h=5 m=9
